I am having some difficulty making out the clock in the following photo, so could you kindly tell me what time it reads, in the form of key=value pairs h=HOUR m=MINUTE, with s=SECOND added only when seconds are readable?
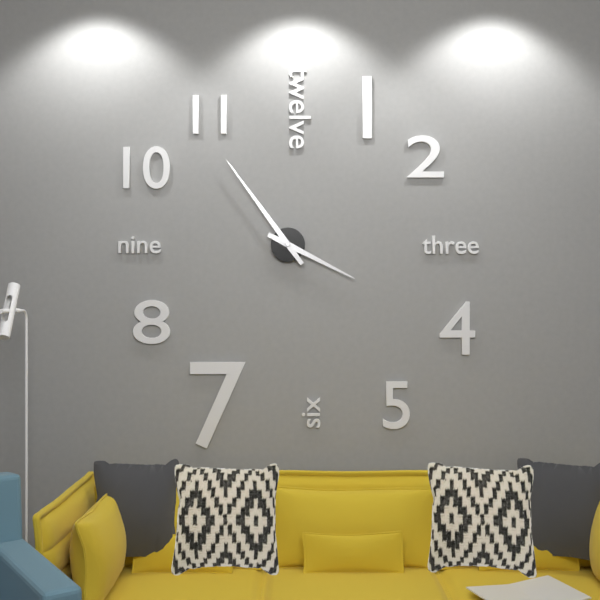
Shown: h=3 m=54
